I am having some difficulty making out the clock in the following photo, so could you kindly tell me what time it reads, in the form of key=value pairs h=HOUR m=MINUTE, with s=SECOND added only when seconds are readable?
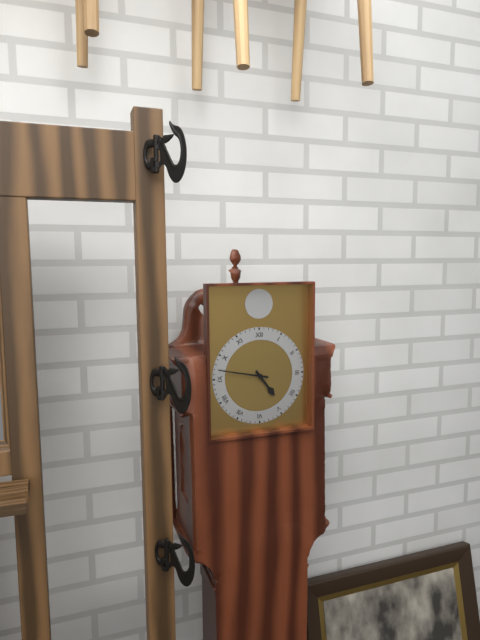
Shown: h=4 m=47
